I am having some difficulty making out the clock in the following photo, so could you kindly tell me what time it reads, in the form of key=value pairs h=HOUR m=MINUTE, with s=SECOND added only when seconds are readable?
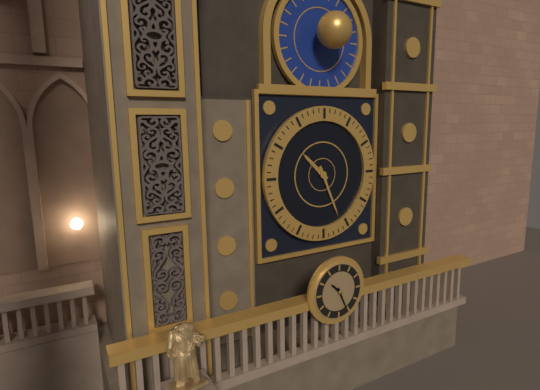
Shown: h=10 m=26
